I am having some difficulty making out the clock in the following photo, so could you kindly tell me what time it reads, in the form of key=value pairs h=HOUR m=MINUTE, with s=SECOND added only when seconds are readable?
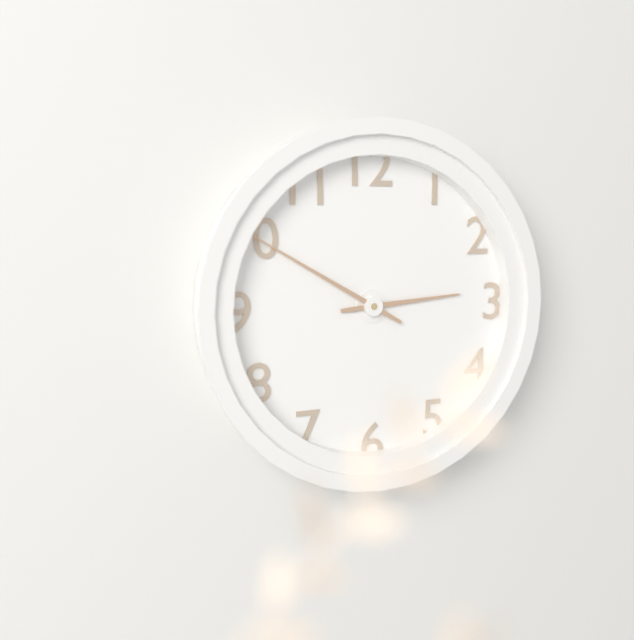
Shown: h=2 m=50
